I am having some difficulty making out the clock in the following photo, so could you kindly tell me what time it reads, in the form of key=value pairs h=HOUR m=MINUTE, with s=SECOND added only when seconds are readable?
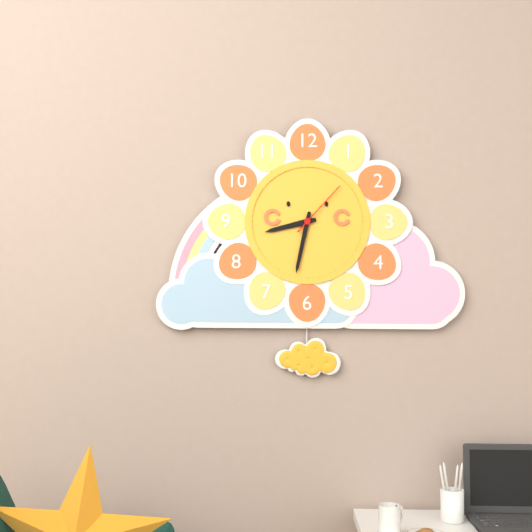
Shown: h=8 m=32 s=7
